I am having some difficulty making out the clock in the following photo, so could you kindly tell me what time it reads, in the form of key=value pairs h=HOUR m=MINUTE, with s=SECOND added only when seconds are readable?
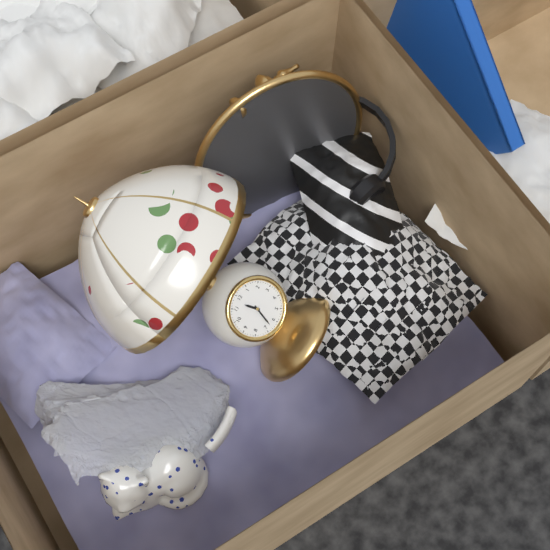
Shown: h=11 m=33
